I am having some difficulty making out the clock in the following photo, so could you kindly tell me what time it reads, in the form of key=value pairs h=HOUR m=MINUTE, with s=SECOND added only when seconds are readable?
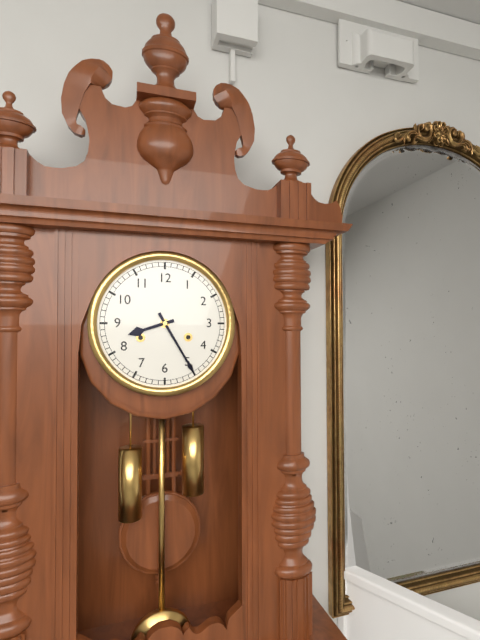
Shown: h=8 m=25
